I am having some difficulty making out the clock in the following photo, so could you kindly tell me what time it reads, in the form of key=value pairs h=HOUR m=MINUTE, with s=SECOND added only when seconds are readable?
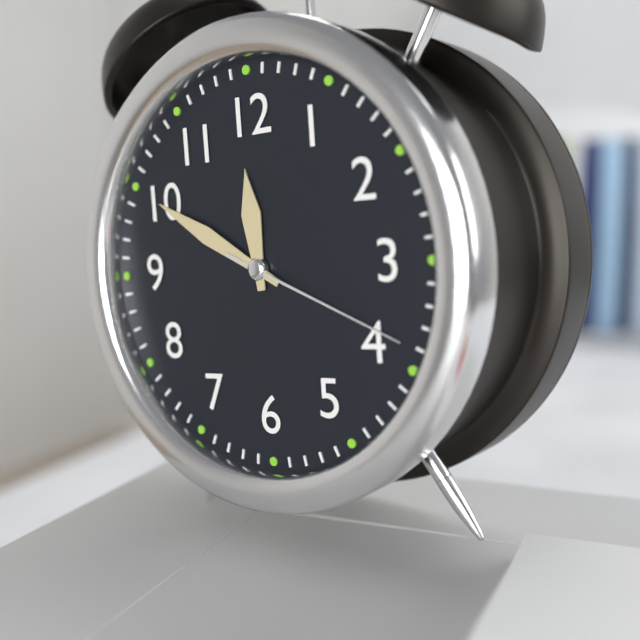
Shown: h=11 m=50 s=19
